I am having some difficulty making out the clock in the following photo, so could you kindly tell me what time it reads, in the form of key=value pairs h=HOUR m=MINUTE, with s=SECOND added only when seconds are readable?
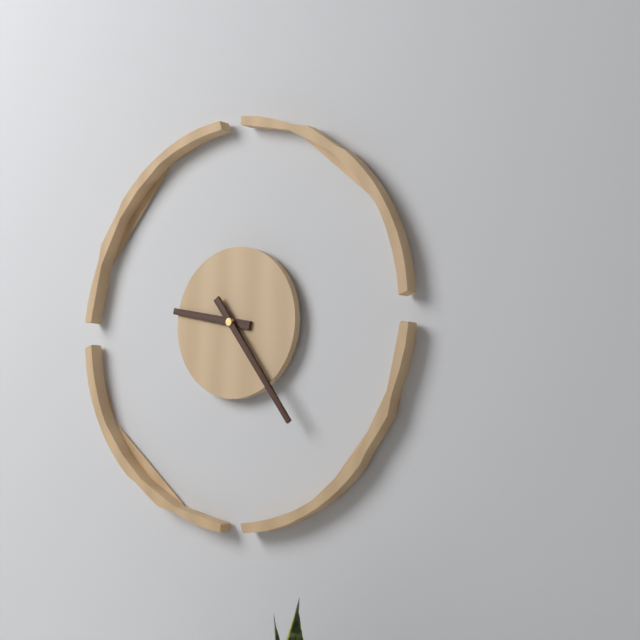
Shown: h=9 m=24
